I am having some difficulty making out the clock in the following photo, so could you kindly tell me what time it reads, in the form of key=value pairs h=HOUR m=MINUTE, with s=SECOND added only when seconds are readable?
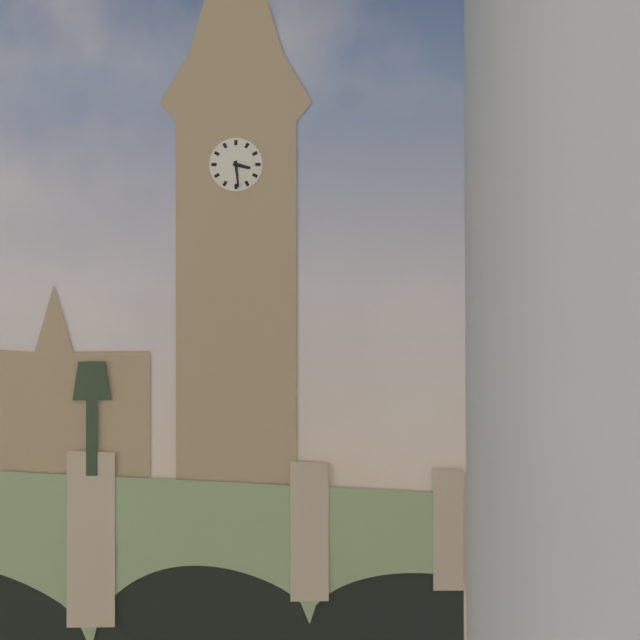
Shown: h=3 m=29
